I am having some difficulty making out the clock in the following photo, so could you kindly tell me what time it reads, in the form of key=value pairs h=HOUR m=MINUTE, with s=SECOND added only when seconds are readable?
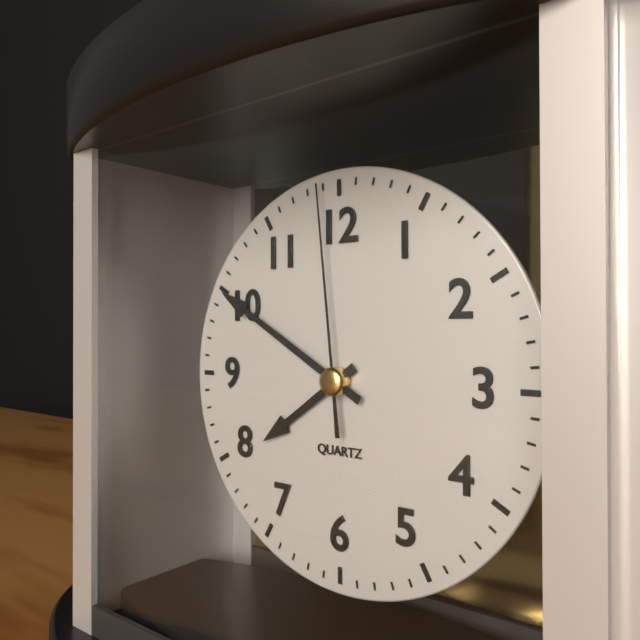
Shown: h=7 m=50 s=59
